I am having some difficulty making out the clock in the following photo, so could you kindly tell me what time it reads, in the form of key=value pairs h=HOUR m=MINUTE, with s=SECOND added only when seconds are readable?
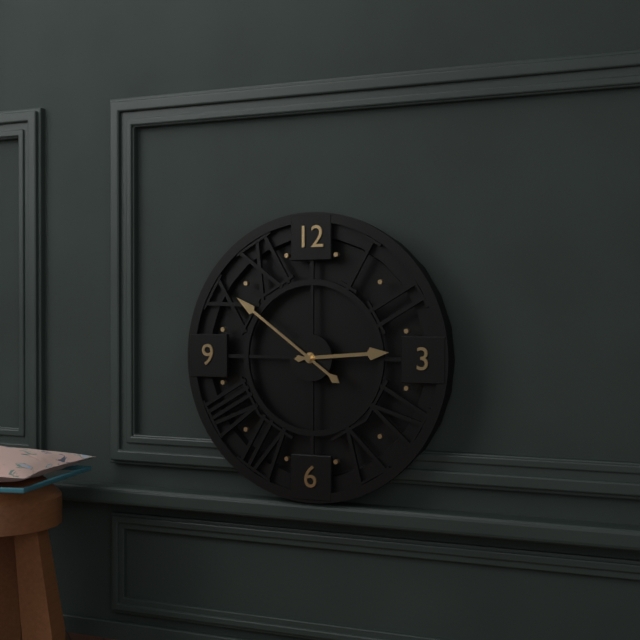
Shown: h=2 m=51
